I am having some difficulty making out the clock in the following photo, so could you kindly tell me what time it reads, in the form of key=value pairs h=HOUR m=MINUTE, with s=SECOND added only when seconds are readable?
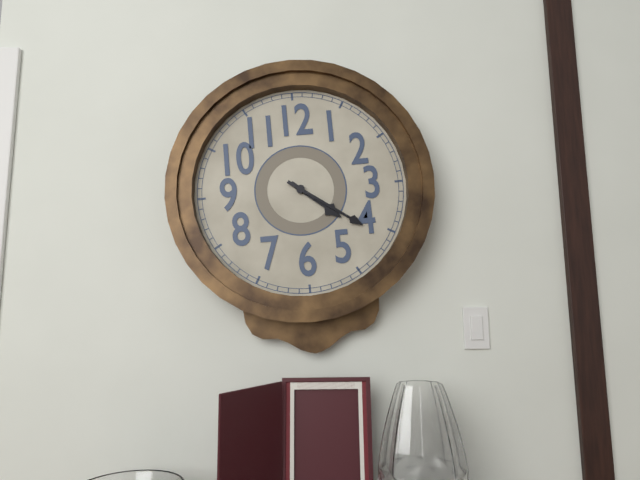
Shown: h=4 m=21
